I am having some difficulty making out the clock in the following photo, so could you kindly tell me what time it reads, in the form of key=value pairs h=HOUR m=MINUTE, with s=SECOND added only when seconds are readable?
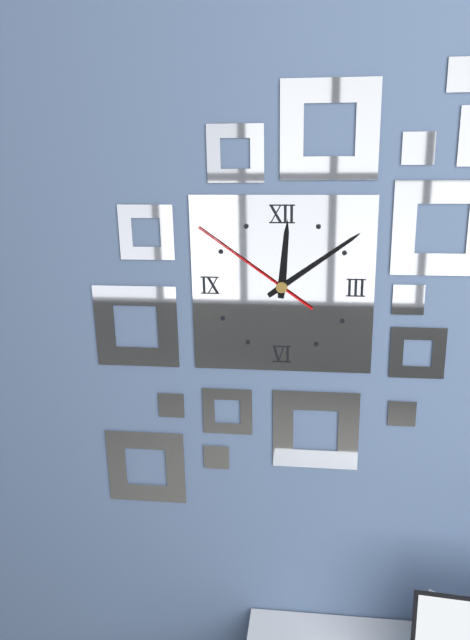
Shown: h=12 m=9 s=51
